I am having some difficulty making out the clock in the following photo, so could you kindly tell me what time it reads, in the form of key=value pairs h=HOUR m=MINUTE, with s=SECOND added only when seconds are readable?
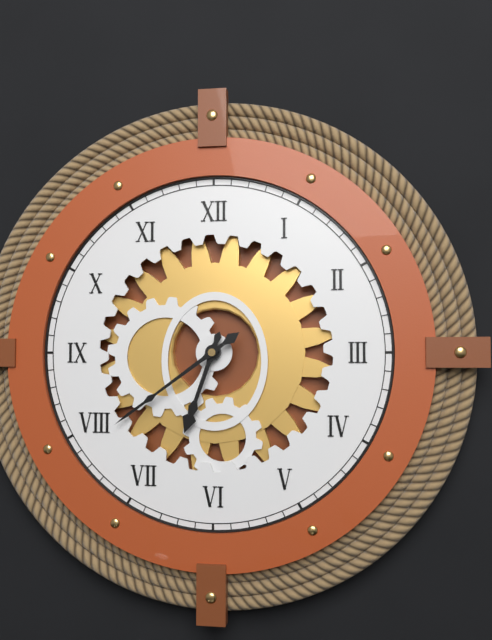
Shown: h=6 m=39
